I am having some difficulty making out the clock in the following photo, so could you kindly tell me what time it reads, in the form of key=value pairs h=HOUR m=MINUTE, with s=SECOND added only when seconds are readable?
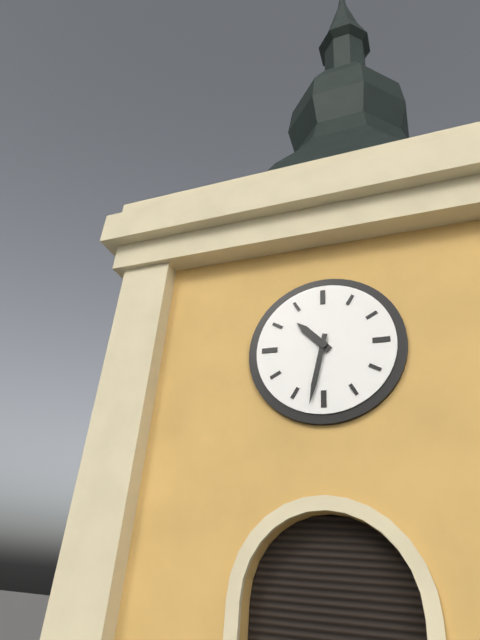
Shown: h=10 m=32
